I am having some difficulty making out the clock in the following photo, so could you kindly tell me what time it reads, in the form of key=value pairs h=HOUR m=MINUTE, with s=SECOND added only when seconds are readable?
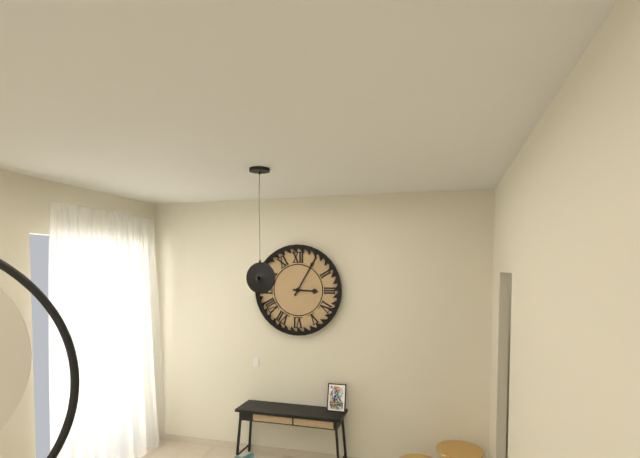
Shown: h=3 m=5
